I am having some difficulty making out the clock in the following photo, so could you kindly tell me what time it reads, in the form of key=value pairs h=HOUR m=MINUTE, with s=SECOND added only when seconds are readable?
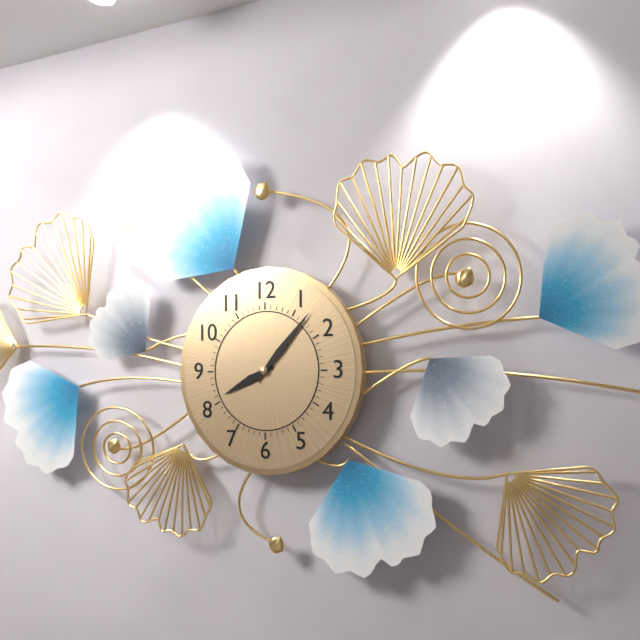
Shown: h=8 m=7
